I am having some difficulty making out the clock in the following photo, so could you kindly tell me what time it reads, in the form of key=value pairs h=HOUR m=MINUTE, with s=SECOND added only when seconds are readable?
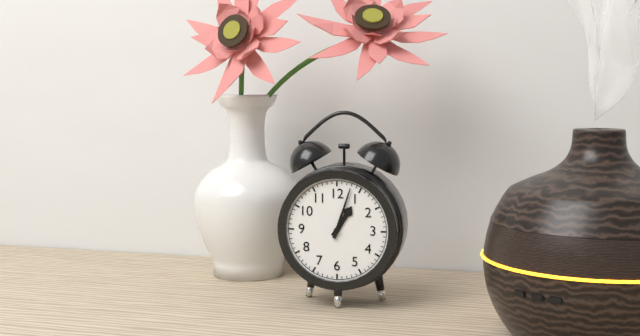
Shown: h=1 m=3
